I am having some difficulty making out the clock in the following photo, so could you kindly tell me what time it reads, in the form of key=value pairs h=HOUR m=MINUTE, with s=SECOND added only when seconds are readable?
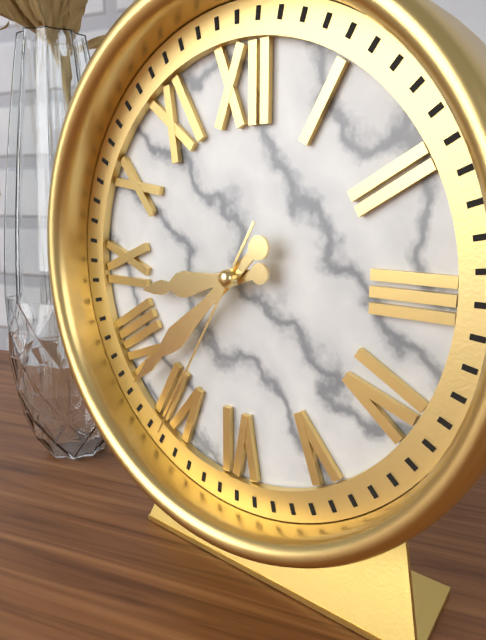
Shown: h=8 m=38 s=35
